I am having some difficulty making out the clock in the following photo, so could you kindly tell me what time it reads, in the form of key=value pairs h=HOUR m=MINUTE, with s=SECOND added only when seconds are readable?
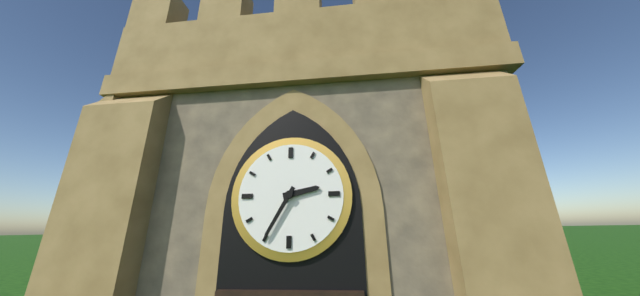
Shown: h=2 m=35
